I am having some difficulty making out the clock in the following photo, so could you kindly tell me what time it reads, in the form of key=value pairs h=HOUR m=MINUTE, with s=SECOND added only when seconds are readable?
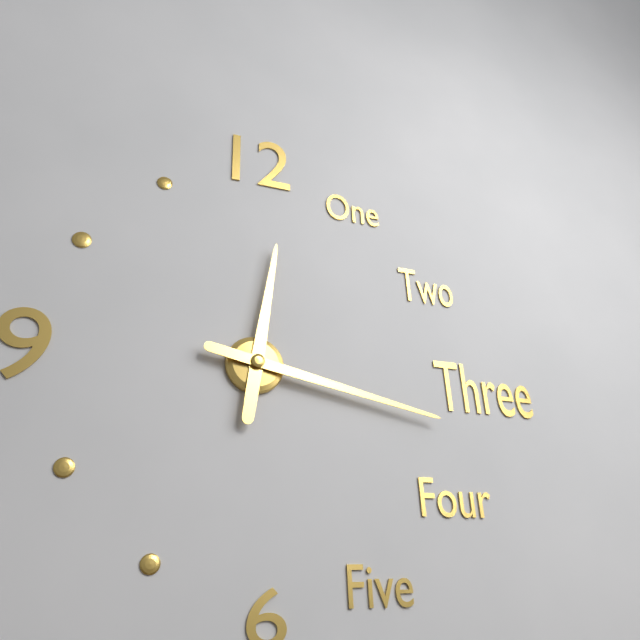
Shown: h=12 m=17
